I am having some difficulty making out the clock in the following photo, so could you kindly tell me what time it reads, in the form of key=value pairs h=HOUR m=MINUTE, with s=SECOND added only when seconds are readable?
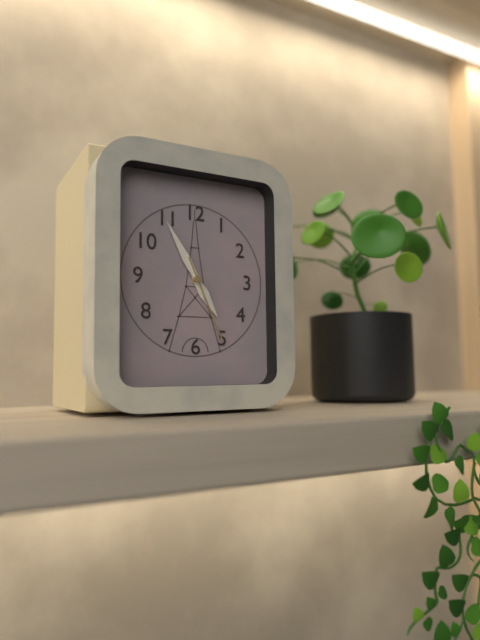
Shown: h=4 m=55 s=26
